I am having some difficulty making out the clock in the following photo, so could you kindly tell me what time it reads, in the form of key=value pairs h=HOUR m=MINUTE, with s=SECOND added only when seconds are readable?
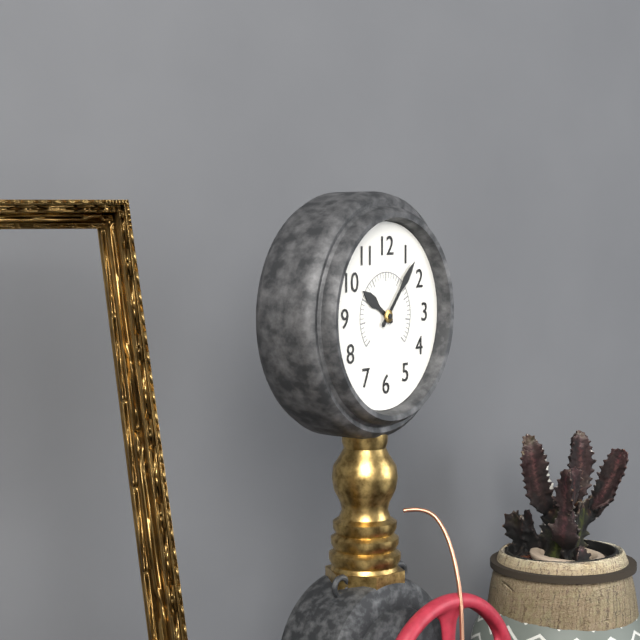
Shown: h=10 m=7
